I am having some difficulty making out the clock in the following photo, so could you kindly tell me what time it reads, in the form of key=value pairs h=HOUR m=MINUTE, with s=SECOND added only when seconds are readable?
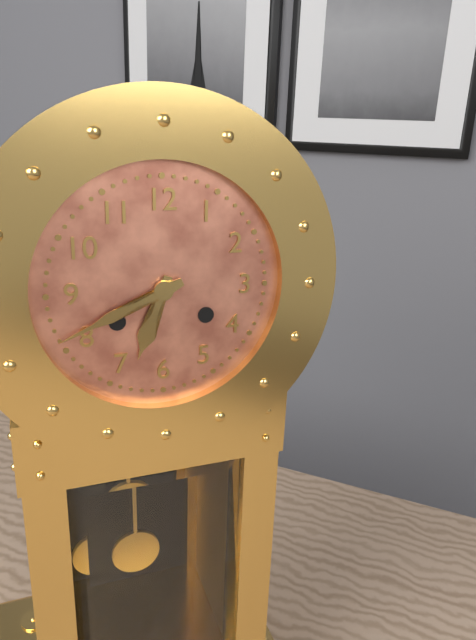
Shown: h=6 m=41
